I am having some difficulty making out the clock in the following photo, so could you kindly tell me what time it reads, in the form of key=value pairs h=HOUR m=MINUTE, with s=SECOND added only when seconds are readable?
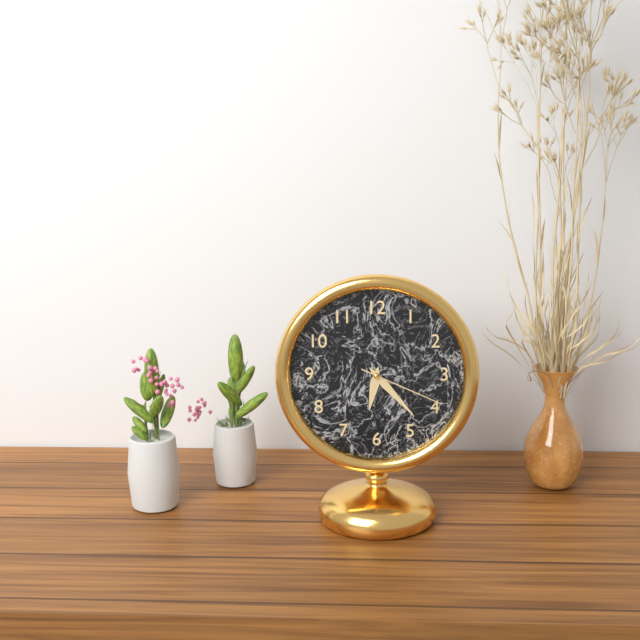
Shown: h=6 m=23 s=19
